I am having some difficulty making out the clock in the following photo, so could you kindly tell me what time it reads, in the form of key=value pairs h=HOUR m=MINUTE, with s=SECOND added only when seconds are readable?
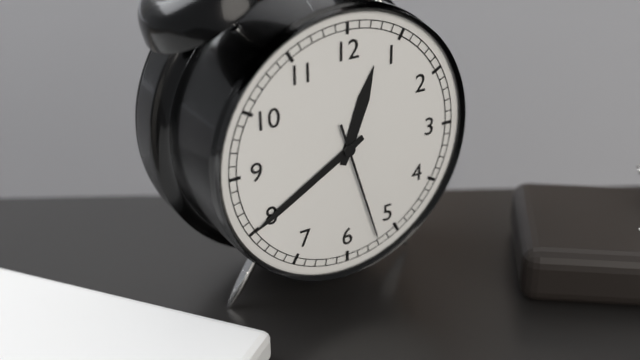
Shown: h=12 m=40 s=27
